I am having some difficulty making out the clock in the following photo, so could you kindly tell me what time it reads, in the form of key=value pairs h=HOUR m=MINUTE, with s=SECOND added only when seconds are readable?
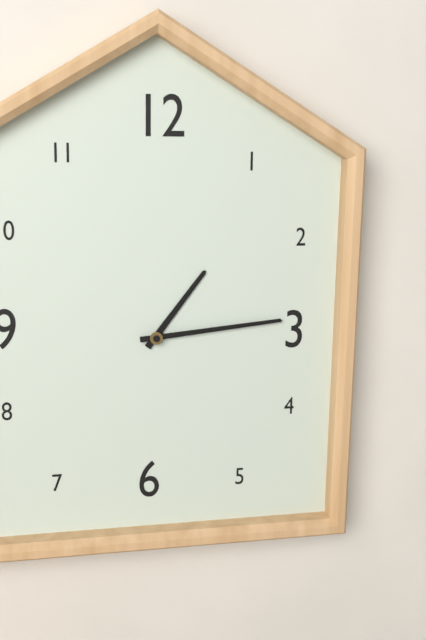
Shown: h=1 m=14
